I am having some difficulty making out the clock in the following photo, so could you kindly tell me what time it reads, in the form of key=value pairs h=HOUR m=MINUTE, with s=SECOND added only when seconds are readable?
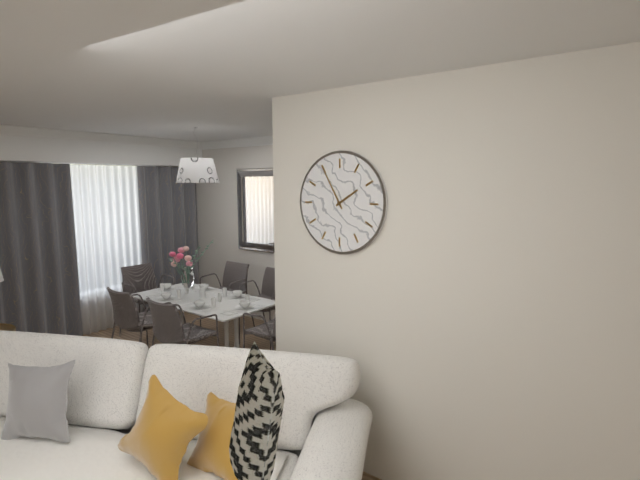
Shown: h=1 m=55
